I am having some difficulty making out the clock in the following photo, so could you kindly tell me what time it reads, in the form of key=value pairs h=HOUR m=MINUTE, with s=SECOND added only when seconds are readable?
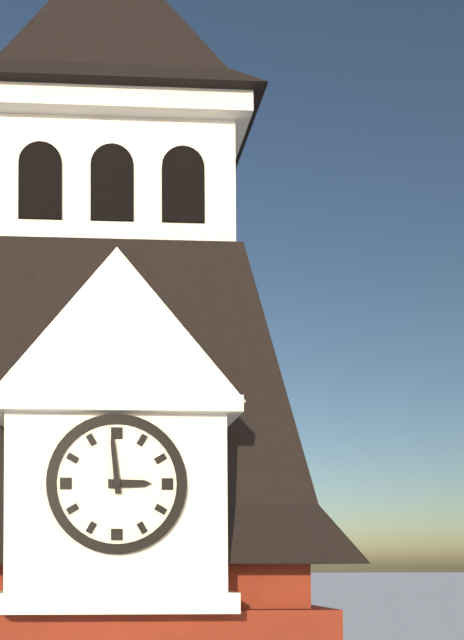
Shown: h=2 m=59
